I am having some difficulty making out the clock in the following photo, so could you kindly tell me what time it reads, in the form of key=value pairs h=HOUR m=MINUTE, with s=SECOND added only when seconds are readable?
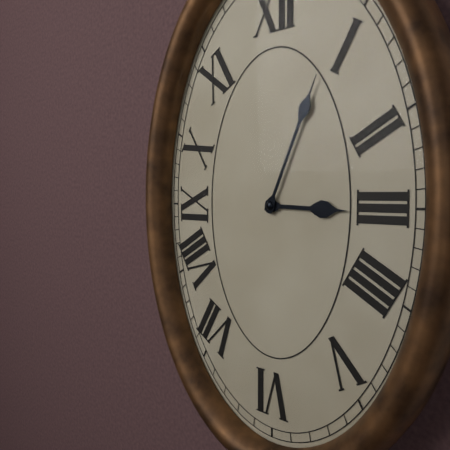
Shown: h=3 m=4
